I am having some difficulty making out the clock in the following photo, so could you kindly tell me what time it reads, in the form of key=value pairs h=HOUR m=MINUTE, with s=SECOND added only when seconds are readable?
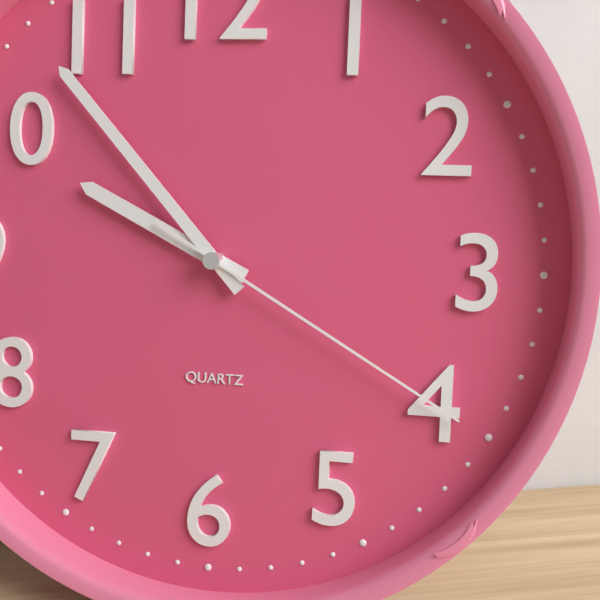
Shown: h=9 m=53 s=20
